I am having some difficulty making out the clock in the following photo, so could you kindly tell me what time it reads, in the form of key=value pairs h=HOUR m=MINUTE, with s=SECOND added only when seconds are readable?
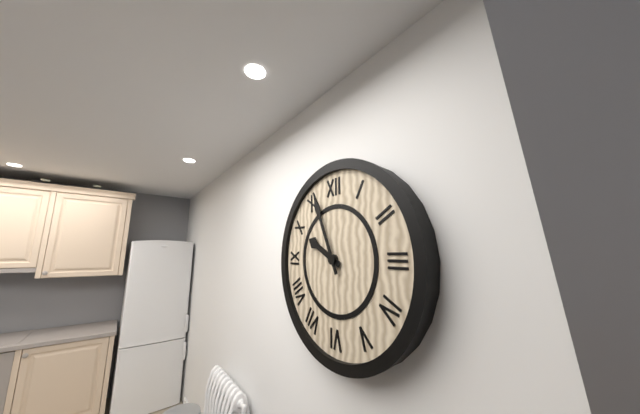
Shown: h=9 m=56
